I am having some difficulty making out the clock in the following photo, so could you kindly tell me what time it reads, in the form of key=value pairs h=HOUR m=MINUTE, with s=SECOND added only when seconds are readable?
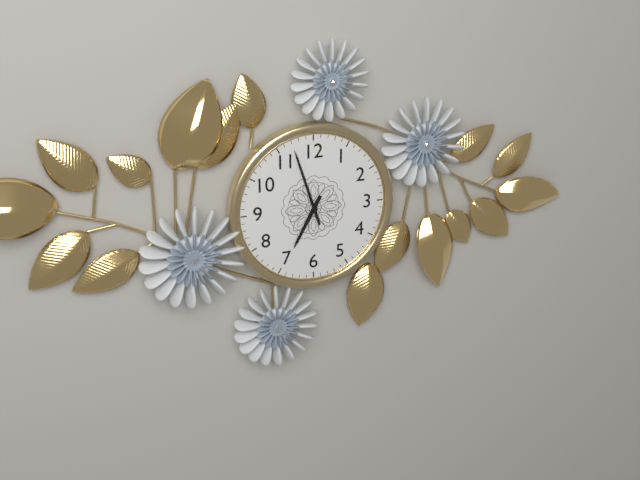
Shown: h=6 m=57
